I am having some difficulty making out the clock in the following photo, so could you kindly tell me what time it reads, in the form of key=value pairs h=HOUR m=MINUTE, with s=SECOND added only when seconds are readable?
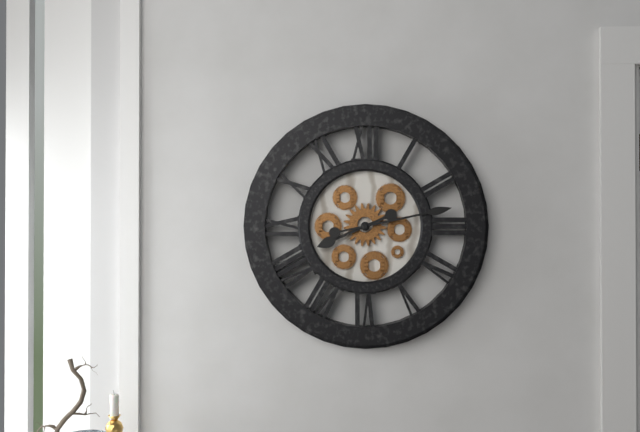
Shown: h=8 m=13
